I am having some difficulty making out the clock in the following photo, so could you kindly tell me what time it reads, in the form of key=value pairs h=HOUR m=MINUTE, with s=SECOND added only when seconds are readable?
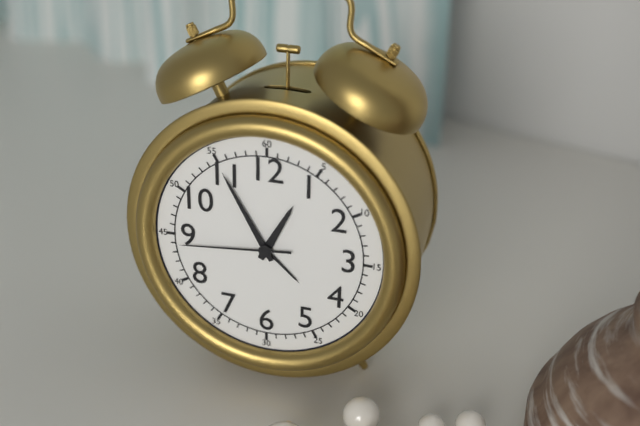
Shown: h=12 m=55 s=44
